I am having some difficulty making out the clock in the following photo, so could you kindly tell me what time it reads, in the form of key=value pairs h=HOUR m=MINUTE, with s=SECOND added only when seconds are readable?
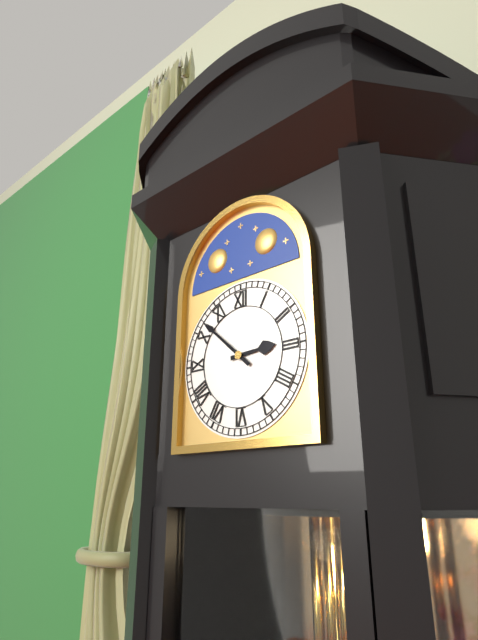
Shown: h=2 m=52
